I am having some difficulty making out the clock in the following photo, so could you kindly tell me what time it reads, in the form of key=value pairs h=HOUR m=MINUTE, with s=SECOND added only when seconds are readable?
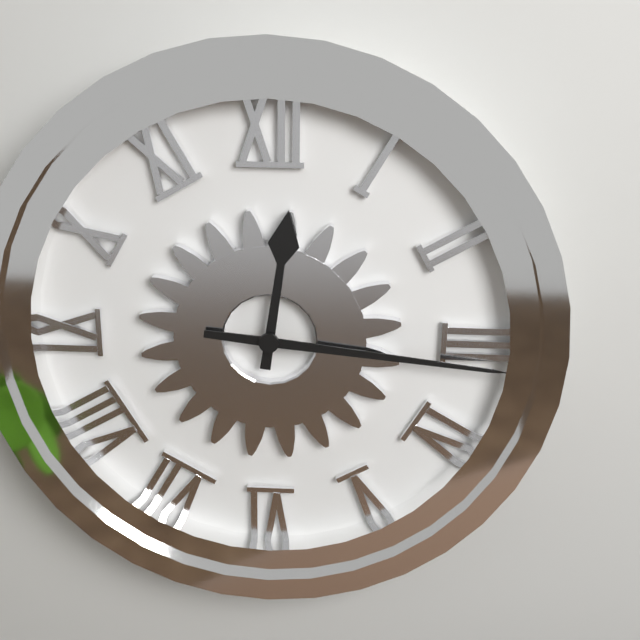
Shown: h=12 m=16
